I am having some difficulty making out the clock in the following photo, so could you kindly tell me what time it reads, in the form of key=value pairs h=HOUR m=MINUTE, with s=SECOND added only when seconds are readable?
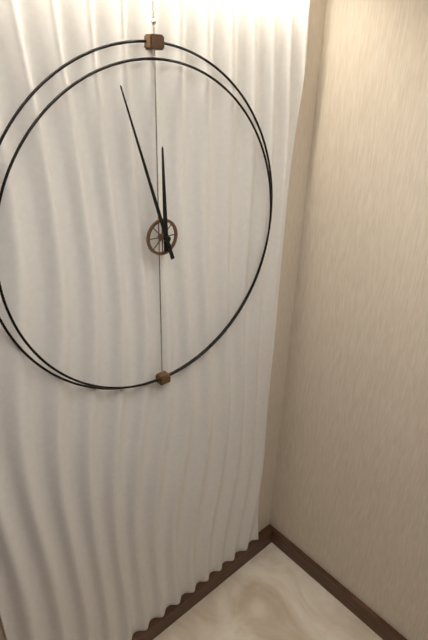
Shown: h=11 m=57
